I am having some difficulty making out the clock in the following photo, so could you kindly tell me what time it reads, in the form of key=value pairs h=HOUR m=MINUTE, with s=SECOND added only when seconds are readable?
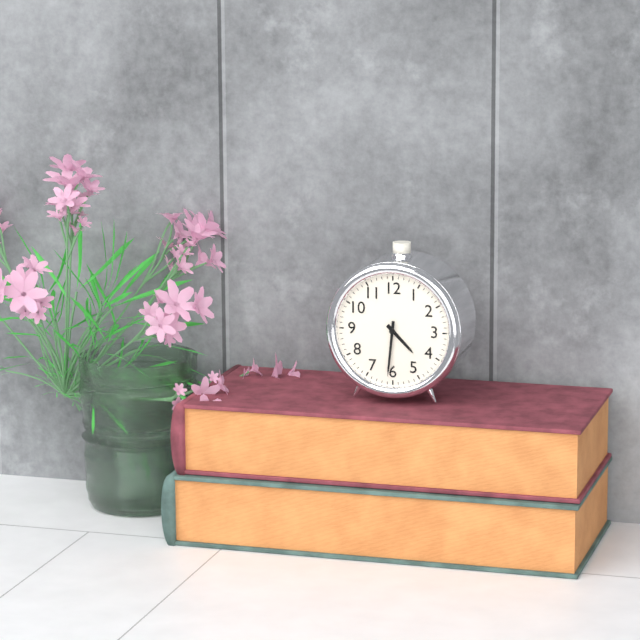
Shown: h=4 m=31
